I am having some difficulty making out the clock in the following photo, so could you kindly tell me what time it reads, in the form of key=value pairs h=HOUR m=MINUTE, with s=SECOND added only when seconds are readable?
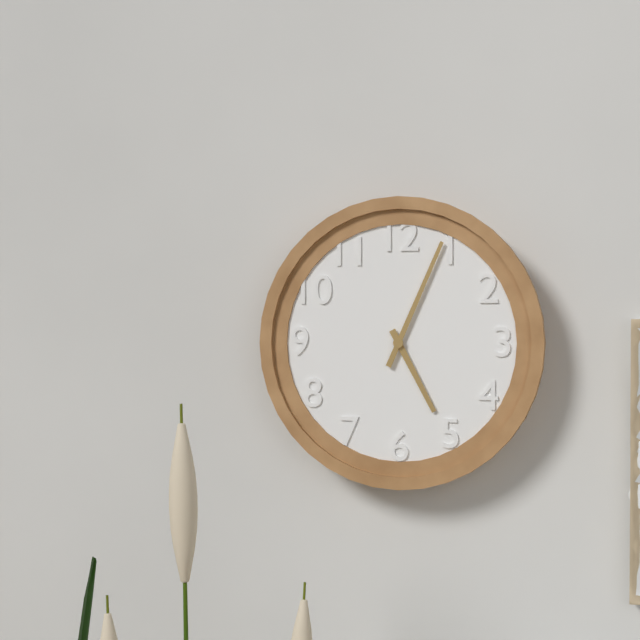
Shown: h=5 m=4
